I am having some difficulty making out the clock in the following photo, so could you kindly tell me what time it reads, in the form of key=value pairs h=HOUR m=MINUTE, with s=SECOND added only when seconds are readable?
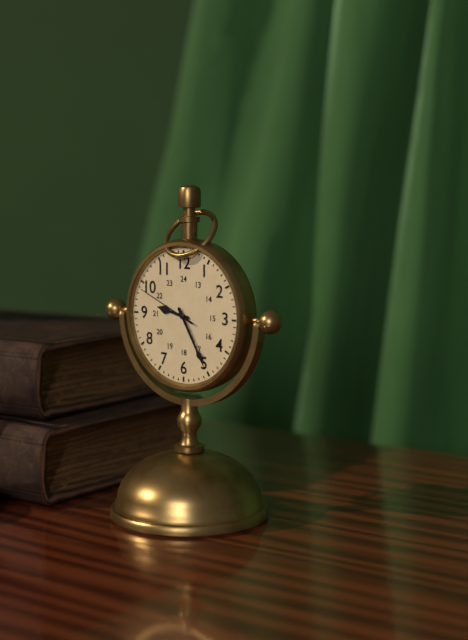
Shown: h=9 m=25 s=49
